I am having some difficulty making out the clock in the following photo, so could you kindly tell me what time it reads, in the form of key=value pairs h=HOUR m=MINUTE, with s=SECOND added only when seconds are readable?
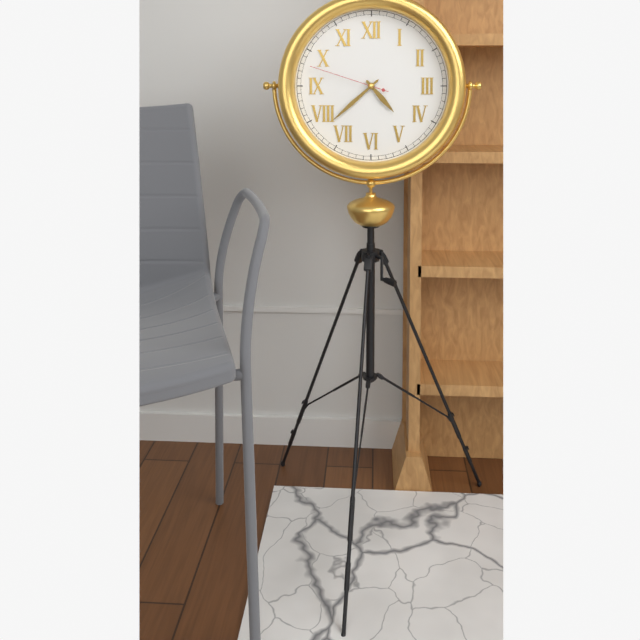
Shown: h=4 m=38 s=48
